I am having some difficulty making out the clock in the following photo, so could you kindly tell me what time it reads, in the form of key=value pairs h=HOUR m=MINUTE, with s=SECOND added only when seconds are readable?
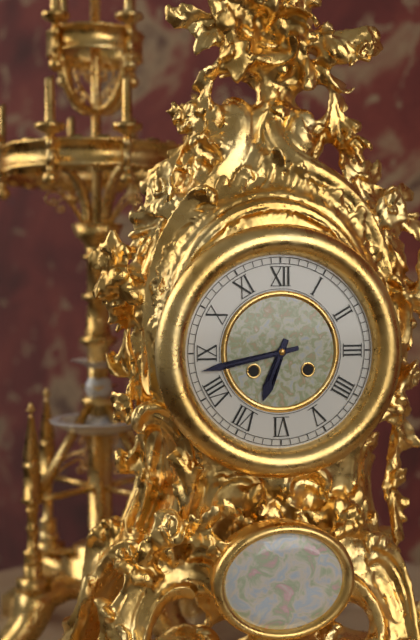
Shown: h=6 m=43
